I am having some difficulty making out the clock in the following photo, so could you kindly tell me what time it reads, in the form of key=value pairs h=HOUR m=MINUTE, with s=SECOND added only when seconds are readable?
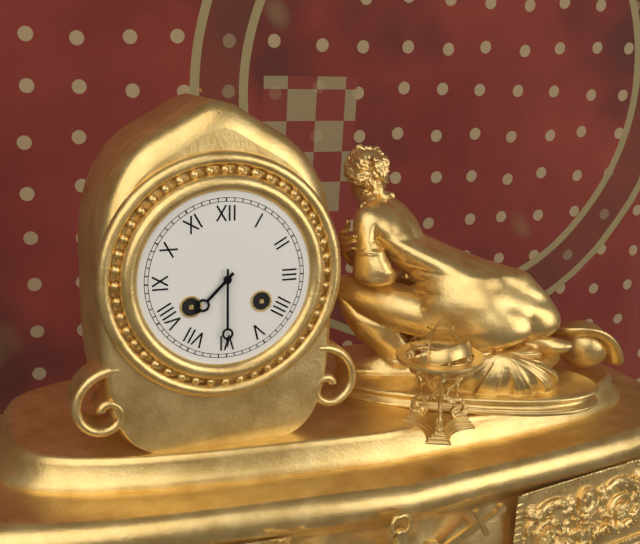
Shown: h=7 m=30
